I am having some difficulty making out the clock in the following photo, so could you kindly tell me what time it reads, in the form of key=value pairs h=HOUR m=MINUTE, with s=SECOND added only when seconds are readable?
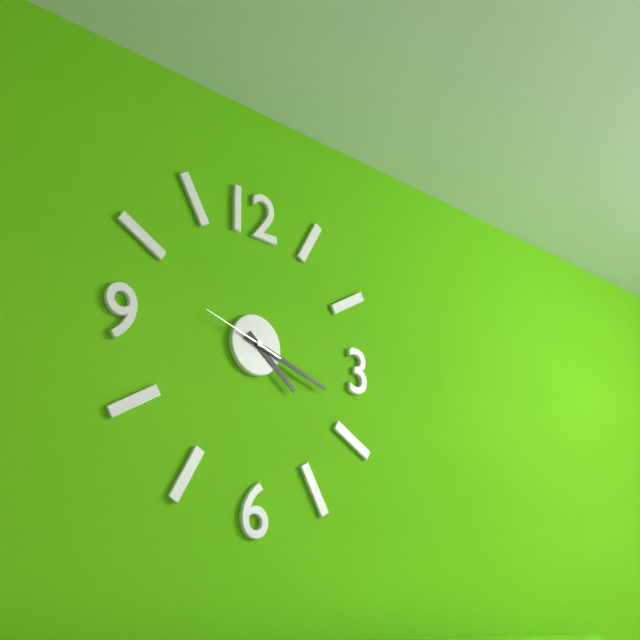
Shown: h=4 m=18 s=48
